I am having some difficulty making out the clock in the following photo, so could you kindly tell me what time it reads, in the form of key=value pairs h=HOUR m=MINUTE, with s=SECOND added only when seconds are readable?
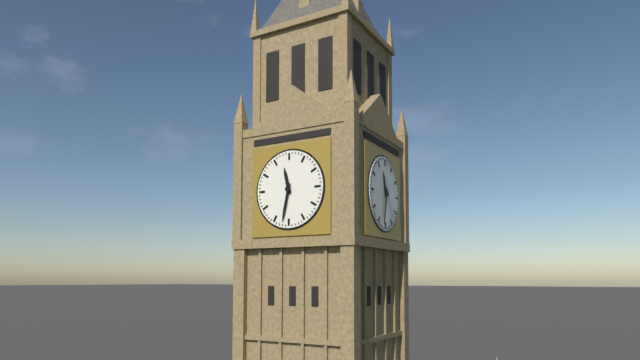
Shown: h=11 m=32
